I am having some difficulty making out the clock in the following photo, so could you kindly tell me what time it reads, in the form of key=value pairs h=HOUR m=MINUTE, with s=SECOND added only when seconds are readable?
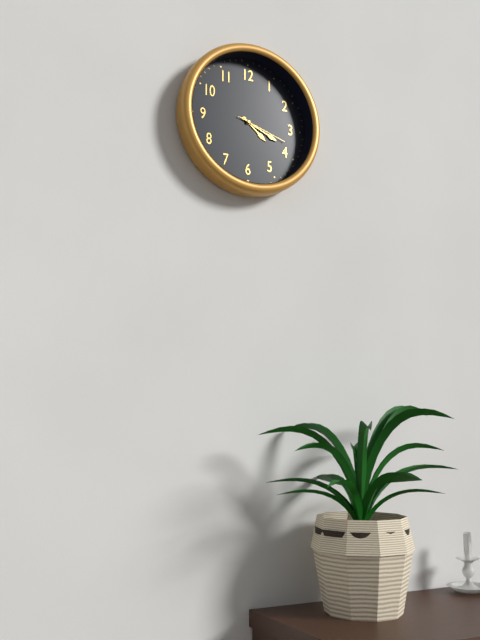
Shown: h=4 m=19 s=18
